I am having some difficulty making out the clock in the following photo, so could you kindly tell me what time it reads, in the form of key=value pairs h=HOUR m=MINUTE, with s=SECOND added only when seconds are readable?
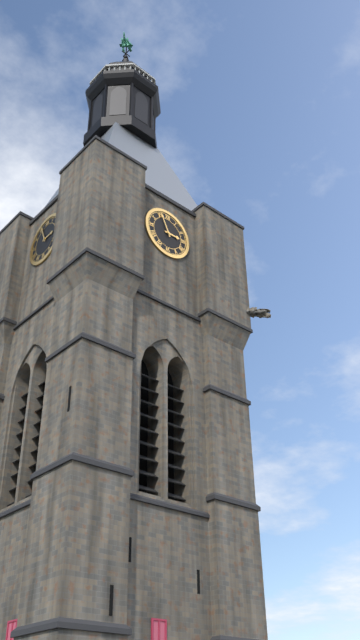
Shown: h=2 m=56
